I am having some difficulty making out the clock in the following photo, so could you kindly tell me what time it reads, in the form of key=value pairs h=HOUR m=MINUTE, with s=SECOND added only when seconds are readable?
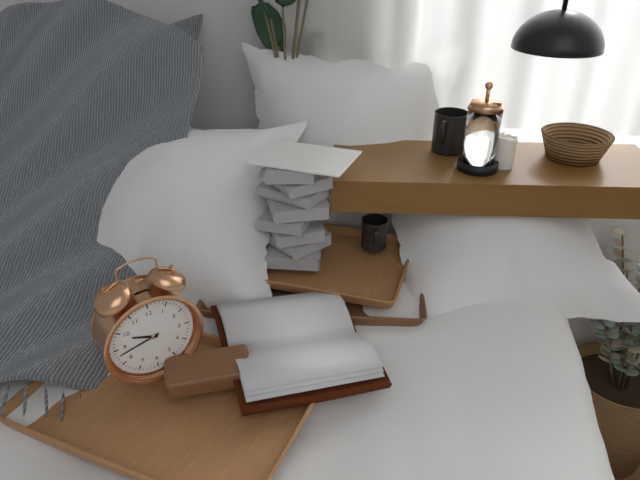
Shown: h=9 m=43
